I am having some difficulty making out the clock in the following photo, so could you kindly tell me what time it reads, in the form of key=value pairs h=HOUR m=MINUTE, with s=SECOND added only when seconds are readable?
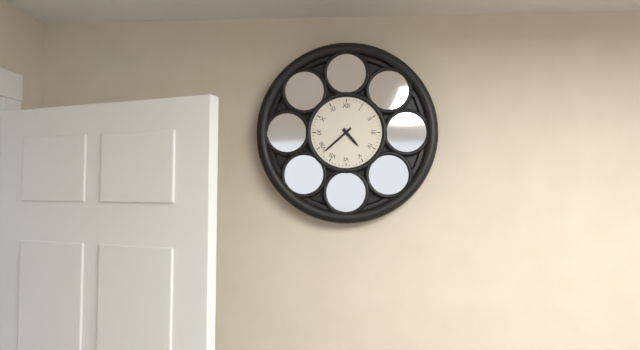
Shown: h=4 m=38
